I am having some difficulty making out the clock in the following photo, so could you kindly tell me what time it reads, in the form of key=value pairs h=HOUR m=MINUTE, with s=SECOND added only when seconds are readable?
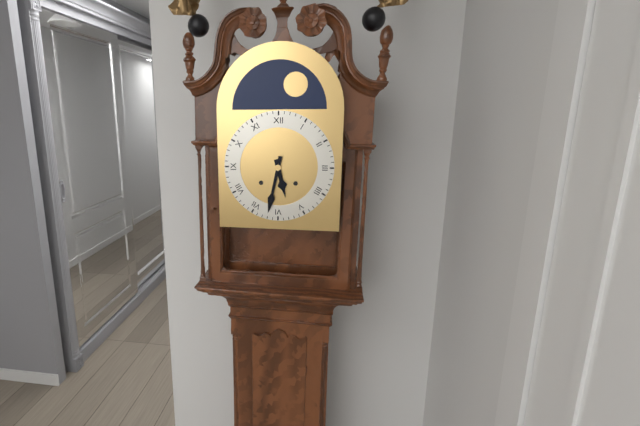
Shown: h=5 m=32
